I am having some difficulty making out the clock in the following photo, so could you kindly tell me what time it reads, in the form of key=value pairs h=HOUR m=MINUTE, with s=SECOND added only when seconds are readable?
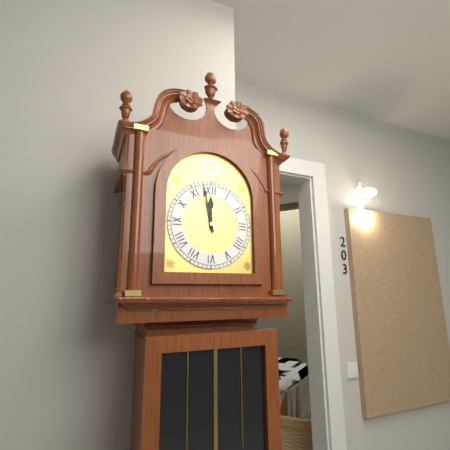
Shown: h=11 m=58
